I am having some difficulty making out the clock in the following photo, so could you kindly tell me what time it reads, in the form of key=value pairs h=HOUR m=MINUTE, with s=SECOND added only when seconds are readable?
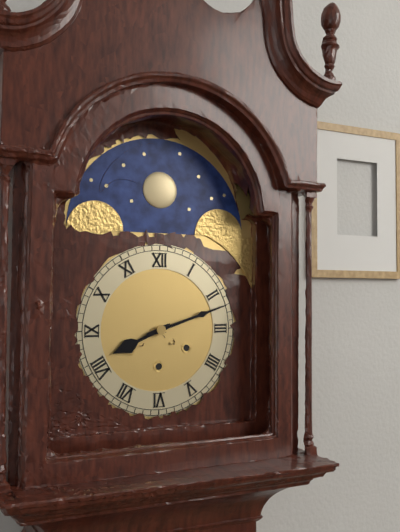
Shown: h=8 m=12
